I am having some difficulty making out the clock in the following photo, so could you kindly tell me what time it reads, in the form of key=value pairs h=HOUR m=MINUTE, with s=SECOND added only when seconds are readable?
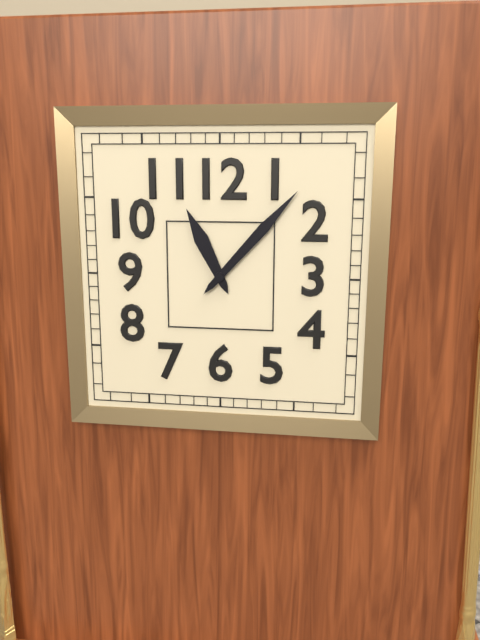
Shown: h=11 m=7
